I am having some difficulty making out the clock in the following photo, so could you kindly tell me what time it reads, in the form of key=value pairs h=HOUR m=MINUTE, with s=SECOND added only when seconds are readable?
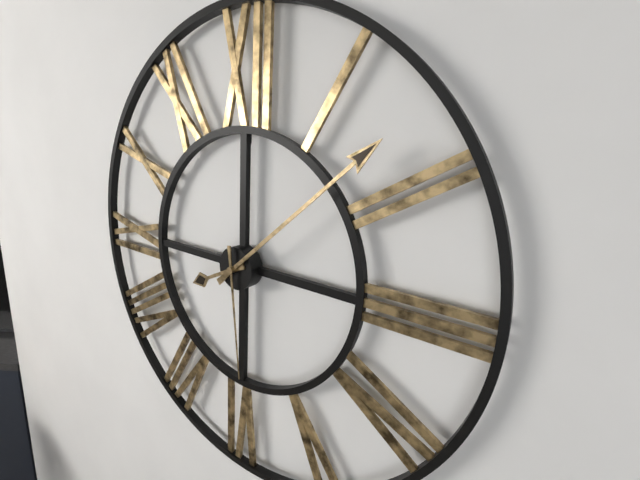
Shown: h=8 m=8 s=29
